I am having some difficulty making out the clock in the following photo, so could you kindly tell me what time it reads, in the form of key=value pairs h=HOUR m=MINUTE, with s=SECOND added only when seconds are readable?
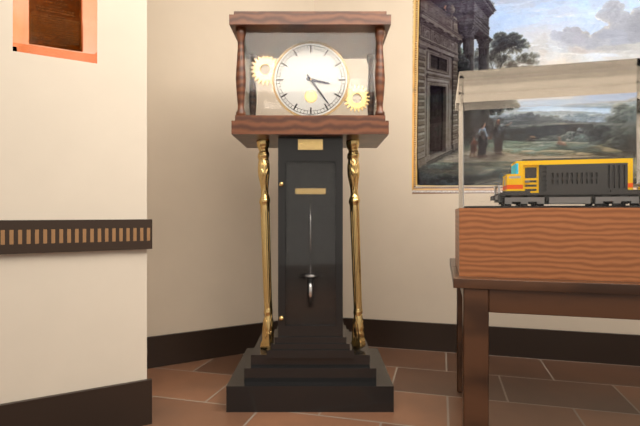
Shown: h=3 m=24
